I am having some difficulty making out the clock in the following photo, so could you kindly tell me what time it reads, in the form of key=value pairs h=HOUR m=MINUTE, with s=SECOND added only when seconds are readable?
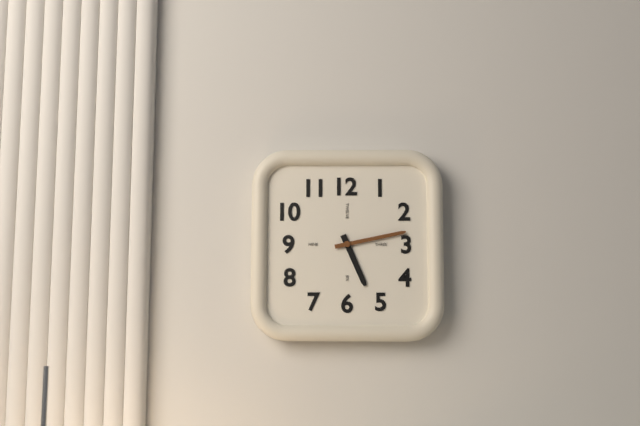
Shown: h=5 m=13
